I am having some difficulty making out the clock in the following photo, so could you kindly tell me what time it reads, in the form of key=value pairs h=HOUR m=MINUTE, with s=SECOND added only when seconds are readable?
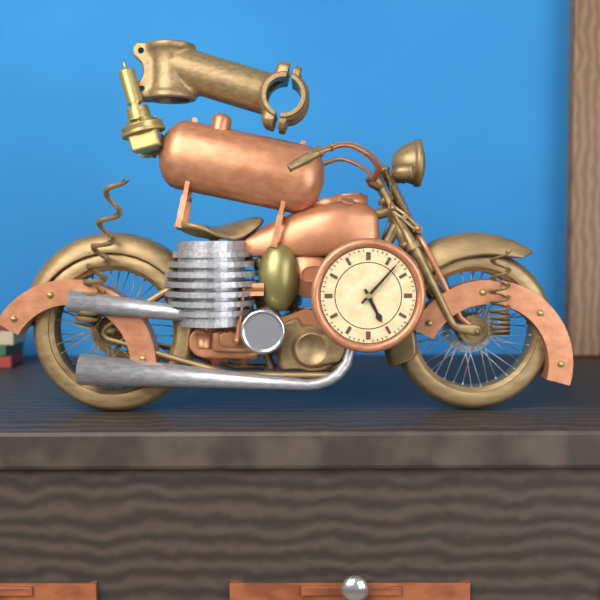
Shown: h=5 m=7
